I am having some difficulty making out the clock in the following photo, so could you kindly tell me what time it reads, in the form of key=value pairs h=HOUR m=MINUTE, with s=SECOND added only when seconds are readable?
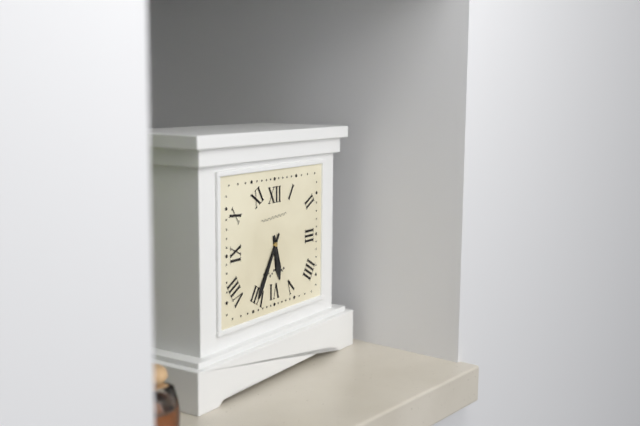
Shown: h=5 m=35
